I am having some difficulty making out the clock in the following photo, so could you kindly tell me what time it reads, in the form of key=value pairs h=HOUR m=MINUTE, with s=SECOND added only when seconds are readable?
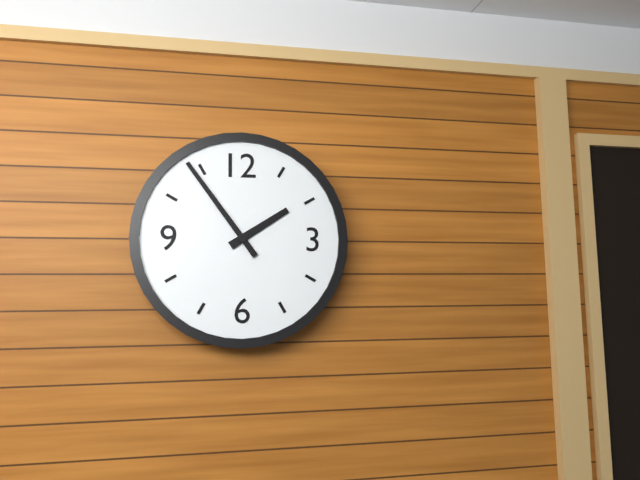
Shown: h=1 m=54
